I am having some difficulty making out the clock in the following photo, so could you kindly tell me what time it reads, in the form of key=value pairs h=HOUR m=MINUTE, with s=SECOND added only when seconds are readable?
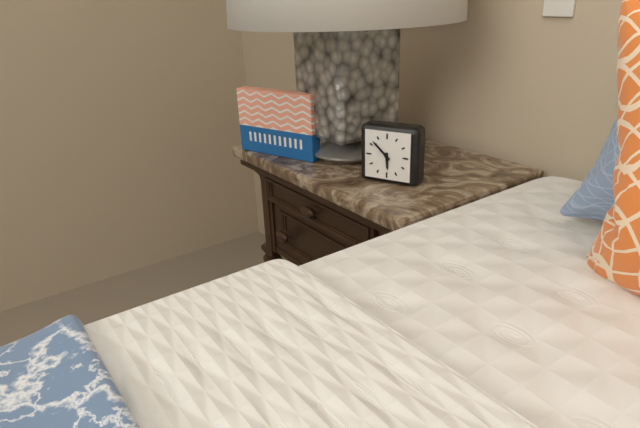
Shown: h=5 m=52
